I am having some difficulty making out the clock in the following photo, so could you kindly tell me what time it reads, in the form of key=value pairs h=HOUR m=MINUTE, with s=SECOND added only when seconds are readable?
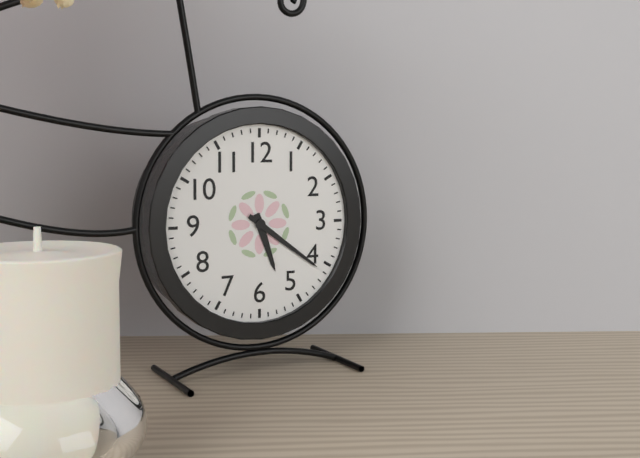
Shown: h=5 m=21
